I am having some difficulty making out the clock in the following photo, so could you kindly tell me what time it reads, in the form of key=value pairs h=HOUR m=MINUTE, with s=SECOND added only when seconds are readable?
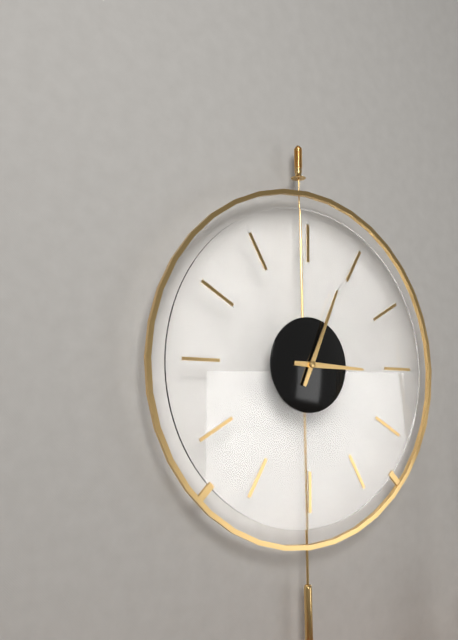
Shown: h=3 m=4
